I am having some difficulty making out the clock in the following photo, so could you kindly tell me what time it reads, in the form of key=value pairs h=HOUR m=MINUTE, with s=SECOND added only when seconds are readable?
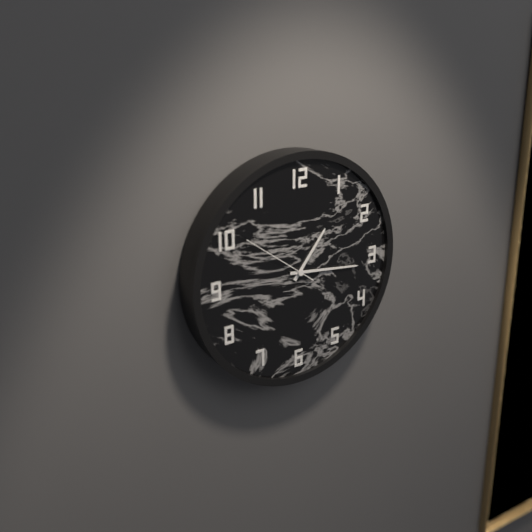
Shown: h=1 m=16 s=51
